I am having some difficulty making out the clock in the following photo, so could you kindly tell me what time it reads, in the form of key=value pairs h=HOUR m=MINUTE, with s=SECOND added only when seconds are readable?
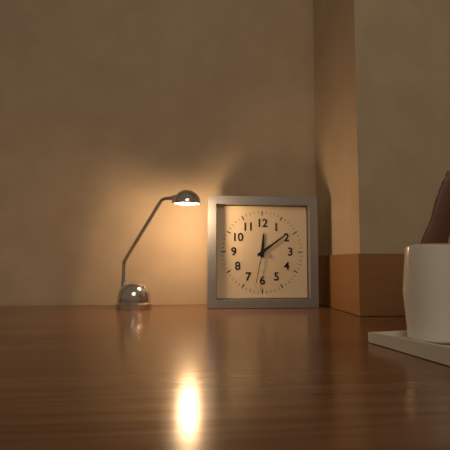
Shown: h=12 m=9
